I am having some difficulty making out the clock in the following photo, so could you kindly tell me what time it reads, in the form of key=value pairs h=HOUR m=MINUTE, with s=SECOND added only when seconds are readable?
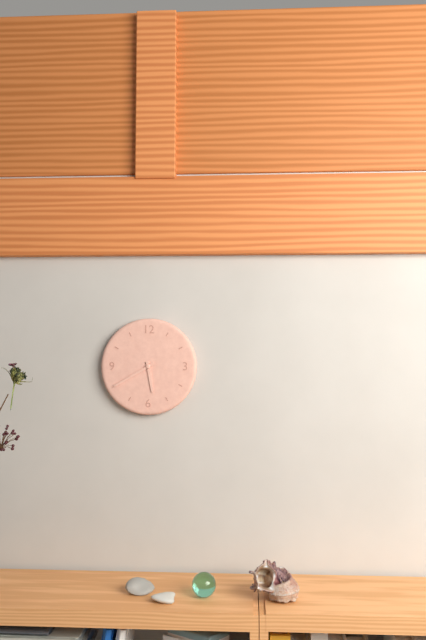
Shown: h=5 m=40
